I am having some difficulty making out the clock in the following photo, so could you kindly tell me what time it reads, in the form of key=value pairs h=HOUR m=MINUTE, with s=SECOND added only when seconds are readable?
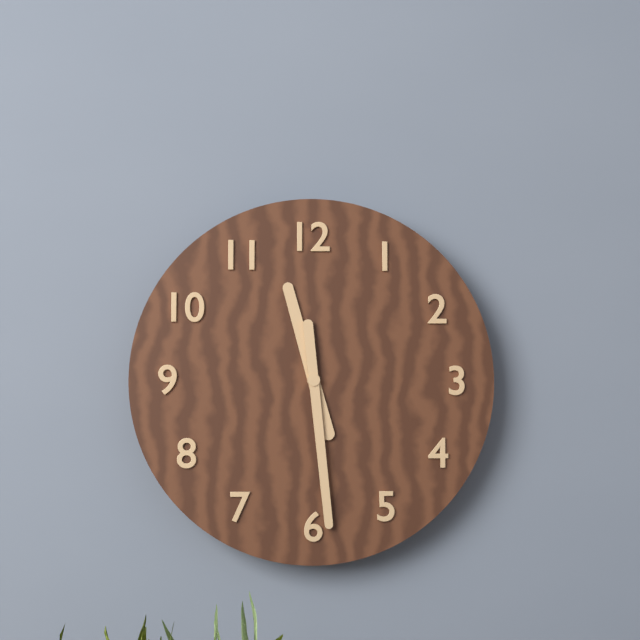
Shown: h=11 m=29
